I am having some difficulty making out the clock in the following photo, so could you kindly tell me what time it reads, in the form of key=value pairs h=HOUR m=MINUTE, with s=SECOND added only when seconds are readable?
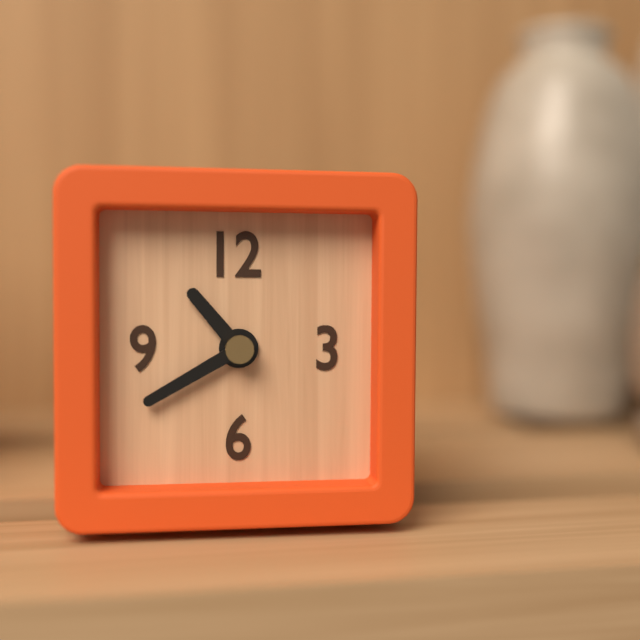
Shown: h=10 m=40
